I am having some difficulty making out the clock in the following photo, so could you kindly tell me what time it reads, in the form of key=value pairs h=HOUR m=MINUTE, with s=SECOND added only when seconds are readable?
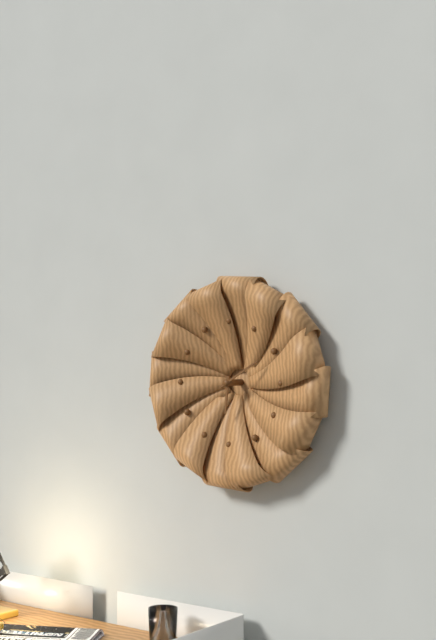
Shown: h=6 m=10
